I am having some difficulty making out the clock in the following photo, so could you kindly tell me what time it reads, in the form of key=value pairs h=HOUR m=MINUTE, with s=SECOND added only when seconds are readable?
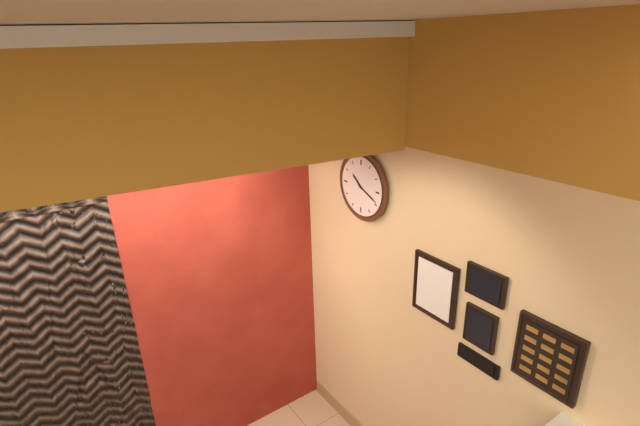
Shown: h=10 m=19
